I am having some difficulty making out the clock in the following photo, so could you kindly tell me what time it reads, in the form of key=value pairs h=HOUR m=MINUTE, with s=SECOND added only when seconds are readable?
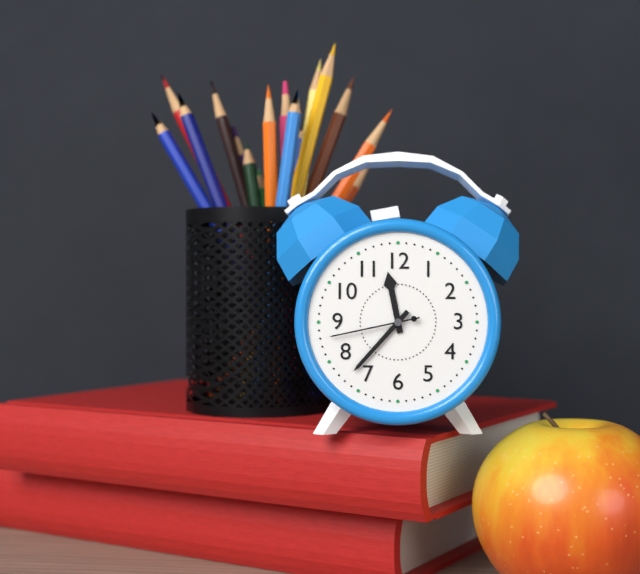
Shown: h=11 m=37 s=43
